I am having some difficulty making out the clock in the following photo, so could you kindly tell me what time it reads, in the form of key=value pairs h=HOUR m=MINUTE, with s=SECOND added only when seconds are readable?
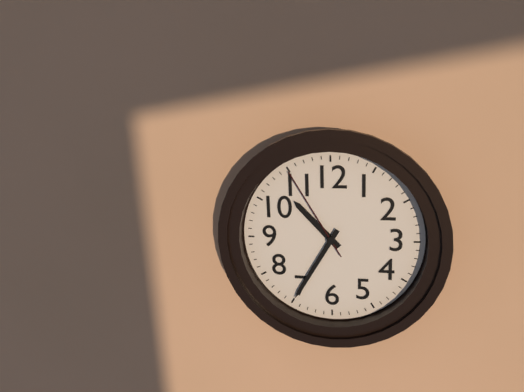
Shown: h=10 m=35 s=55
